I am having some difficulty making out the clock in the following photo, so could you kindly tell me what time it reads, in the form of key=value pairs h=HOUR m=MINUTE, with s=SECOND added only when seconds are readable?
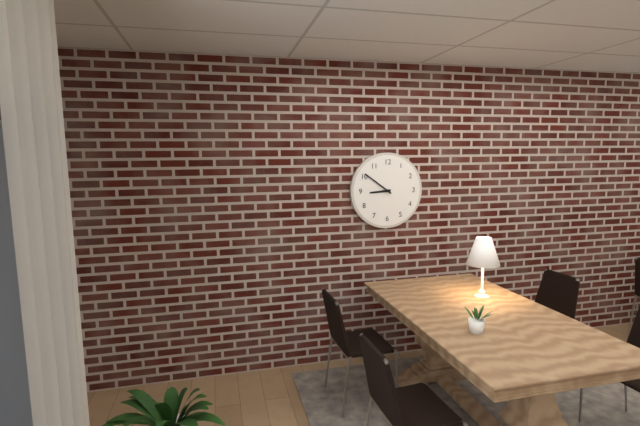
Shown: h=8 m=51
